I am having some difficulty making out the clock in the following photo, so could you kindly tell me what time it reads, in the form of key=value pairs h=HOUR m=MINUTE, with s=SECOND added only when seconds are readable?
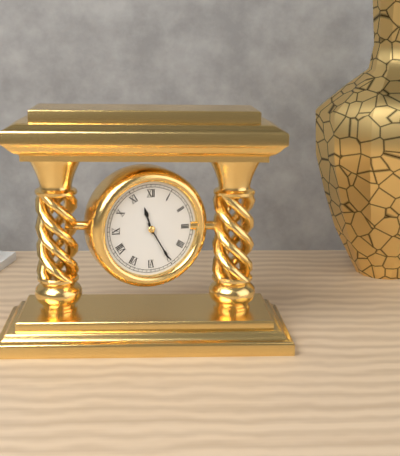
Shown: h=11 m=25
